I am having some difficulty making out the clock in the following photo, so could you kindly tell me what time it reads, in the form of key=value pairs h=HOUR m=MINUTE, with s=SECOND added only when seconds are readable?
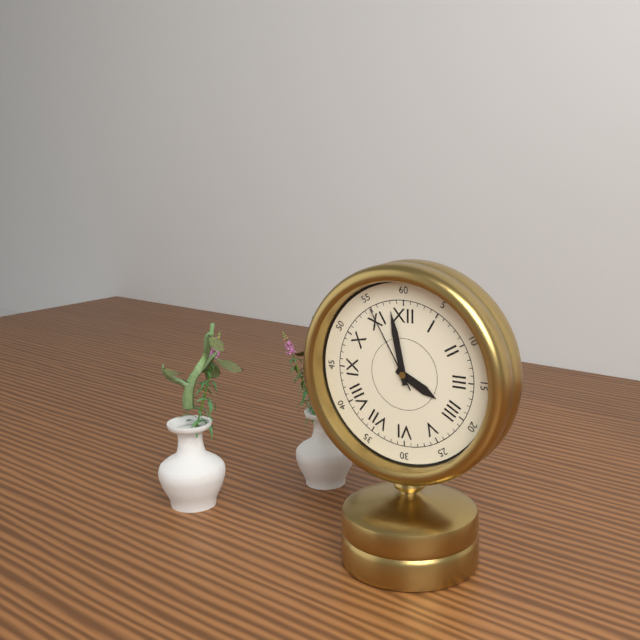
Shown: h=3 m=58 s=55
